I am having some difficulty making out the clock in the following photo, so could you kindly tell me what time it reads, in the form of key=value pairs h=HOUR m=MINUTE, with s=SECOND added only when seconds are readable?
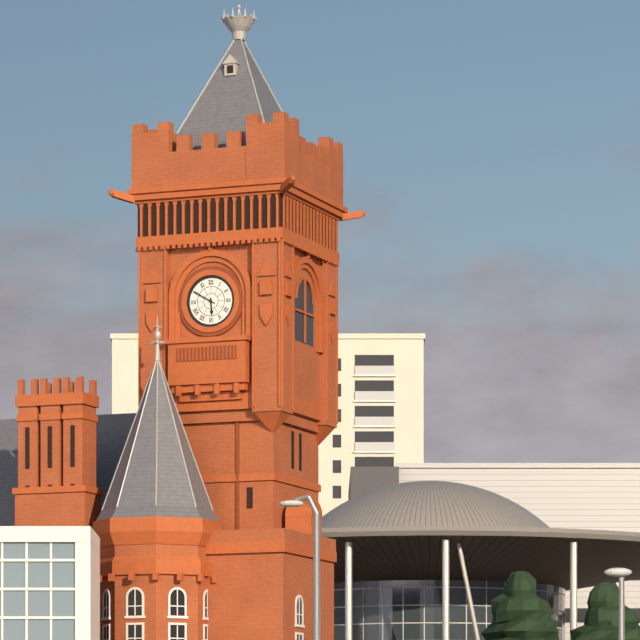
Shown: h=5 m=50
